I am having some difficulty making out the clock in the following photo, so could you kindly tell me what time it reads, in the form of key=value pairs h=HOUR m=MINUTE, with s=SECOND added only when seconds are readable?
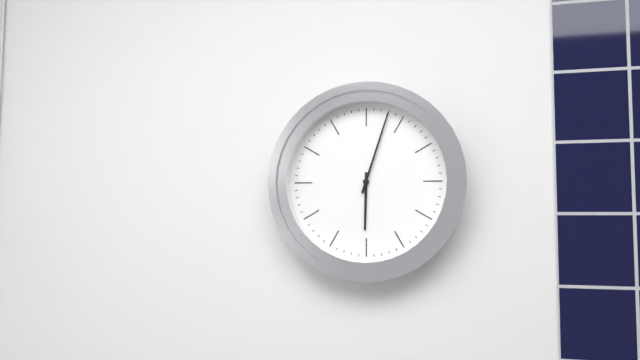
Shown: h=6 m=3
